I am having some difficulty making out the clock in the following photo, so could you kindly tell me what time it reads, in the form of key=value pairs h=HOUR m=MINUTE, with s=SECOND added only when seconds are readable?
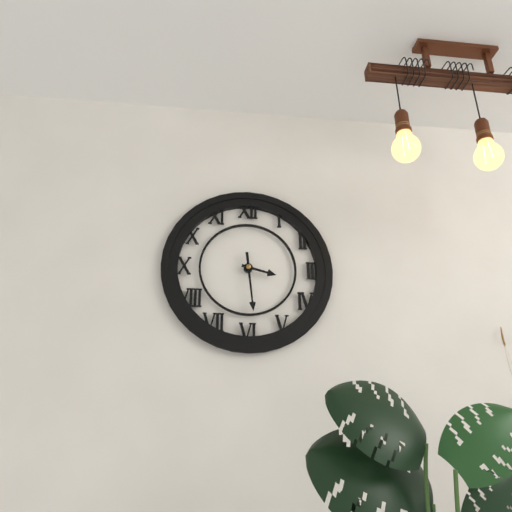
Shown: h=3 m=29
